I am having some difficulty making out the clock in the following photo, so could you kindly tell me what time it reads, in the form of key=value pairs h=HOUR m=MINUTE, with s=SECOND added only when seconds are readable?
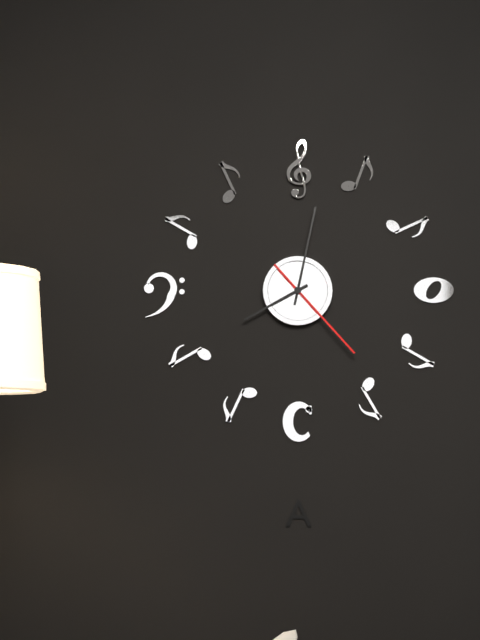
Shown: h=8 m=2 s=23
